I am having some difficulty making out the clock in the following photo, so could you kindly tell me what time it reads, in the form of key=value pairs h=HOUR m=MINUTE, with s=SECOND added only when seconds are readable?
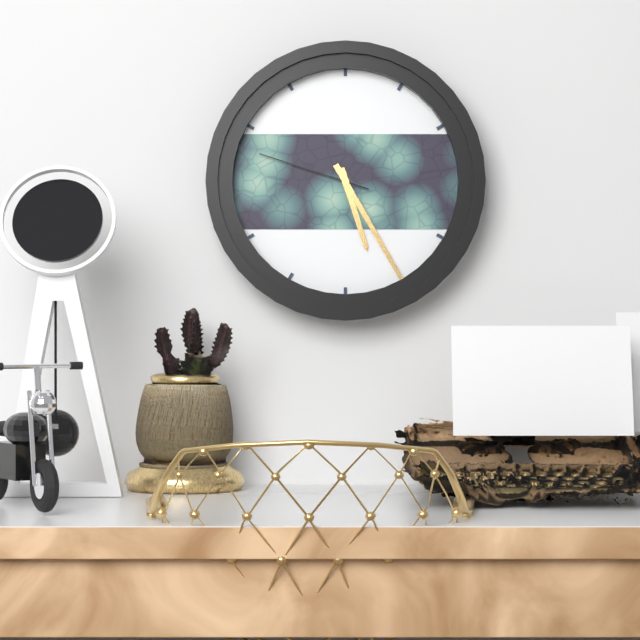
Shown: h=5 m=25 s=48
